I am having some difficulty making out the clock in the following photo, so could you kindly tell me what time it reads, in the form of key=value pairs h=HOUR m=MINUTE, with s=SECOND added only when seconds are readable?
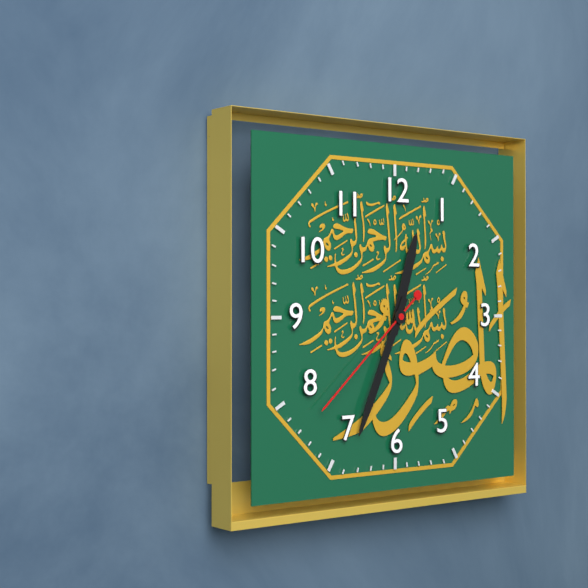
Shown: h=12 m=34 s=38
